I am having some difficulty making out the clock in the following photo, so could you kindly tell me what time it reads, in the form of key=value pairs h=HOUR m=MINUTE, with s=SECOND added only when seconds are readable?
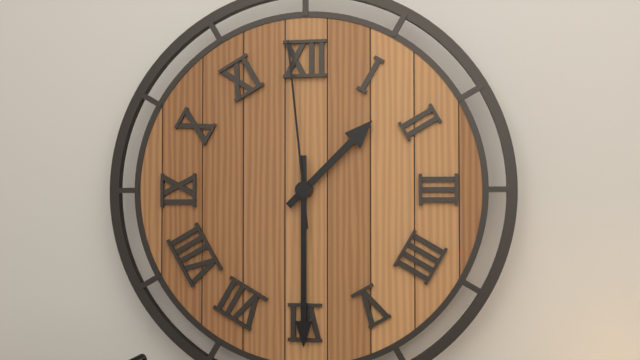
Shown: h=1 m=30 s=59
